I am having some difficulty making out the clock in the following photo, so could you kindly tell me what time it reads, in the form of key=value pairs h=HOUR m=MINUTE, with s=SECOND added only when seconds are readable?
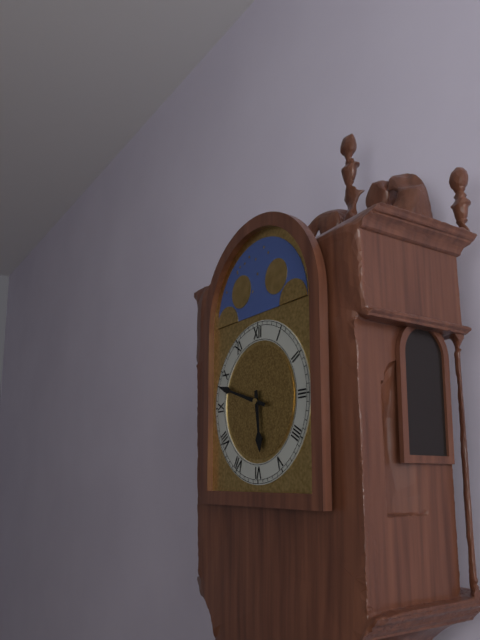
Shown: h=5 m=48
